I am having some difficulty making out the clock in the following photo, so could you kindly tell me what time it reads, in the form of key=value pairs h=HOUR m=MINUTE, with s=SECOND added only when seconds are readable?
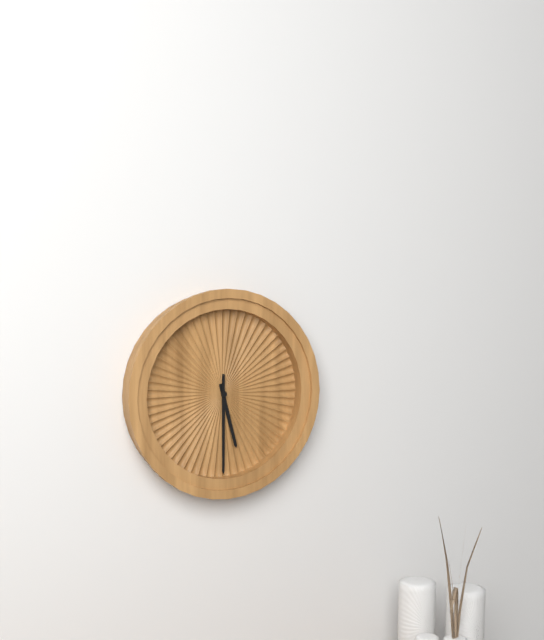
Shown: h=5 m=30
